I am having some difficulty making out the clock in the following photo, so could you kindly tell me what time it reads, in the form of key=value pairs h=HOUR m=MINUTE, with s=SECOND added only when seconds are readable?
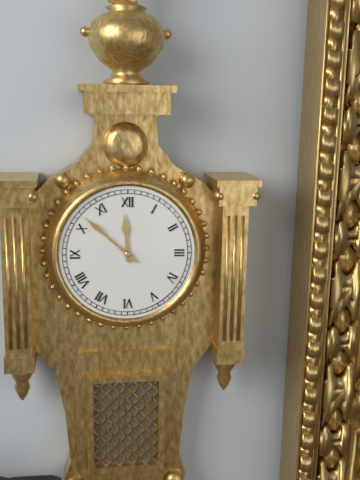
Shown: h=11 m=52
